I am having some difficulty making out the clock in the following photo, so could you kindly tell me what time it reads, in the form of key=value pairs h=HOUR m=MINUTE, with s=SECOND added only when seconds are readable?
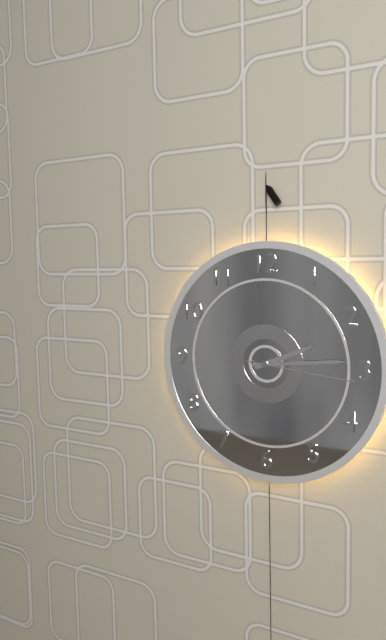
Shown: h=2 m=14 s=16
